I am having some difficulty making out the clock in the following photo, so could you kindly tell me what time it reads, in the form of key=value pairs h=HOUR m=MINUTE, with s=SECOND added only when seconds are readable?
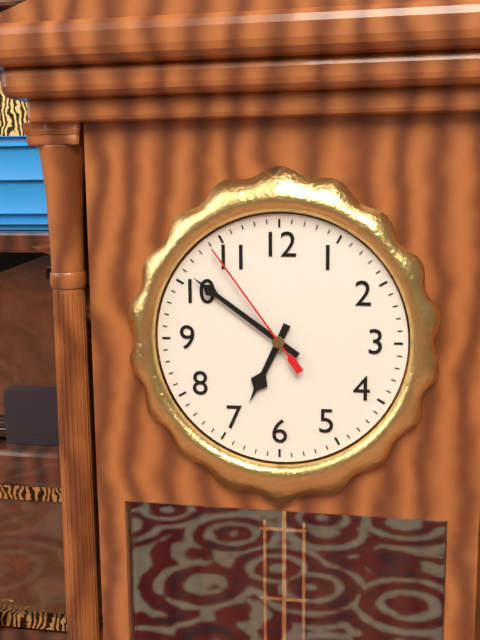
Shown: h=6 m=51 s=54
